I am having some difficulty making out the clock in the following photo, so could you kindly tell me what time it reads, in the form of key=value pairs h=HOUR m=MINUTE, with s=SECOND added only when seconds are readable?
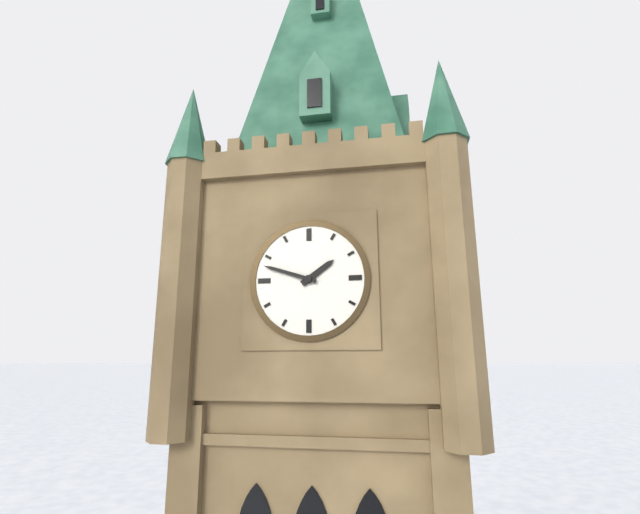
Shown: h=1 m=48
